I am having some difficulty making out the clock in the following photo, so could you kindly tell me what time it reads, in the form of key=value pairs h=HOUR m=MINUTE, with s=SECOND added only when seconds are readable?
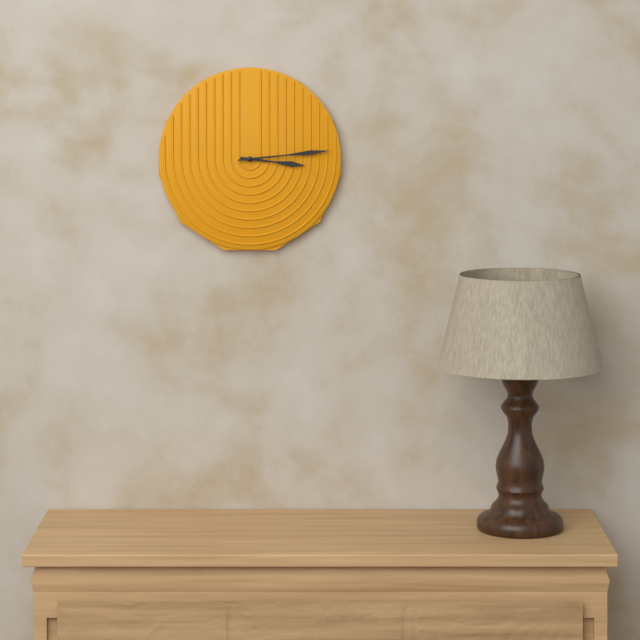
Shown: h=3 m=14
